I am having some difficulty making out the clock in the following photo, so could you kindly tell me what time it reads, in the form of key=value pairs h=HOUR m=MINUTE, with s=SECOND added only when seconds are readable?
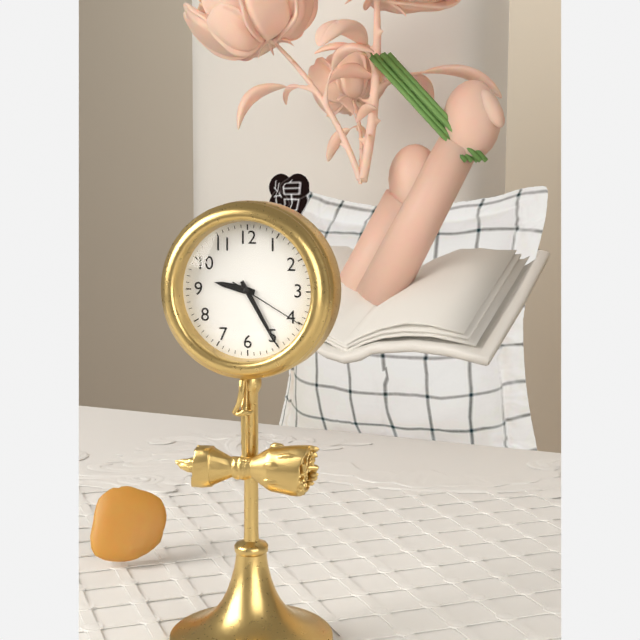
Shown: h=9 m=25 s=20
